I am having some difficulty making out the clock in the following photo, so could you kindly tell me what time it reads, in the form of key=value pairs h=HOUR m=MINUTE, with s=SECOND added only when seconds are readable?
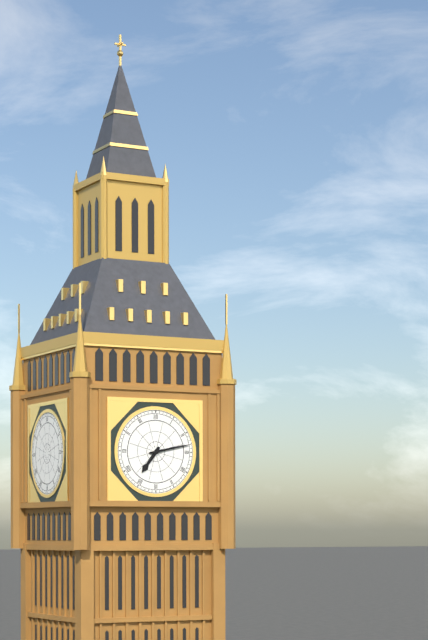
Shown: h=7 m=13
